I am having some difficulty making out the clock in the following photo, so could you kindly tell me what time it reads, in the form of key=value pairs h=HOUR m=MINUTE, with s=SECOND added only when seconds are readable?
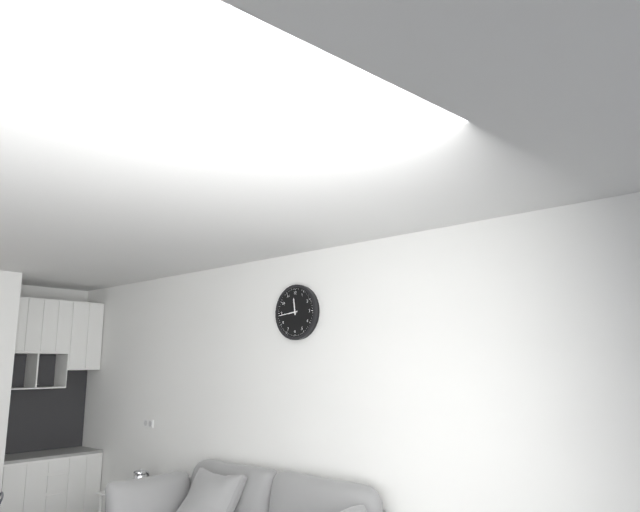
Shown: h=11 m=44
